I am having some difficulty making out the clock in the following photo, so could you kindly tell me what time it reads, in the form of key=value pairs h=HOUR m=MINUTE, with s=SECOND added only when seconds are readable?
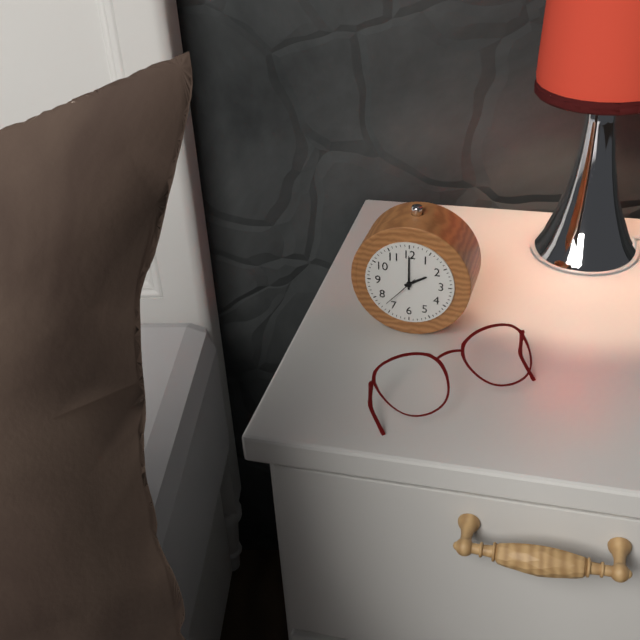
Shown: h=2 m=0
